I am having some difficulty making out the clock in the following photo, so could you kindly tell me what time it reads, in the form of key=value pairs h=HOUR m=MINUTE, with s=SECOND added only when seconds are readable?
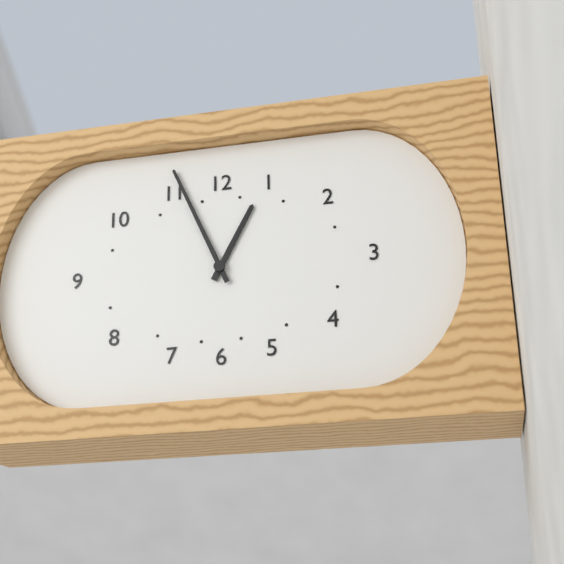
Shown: h=12 m=56
